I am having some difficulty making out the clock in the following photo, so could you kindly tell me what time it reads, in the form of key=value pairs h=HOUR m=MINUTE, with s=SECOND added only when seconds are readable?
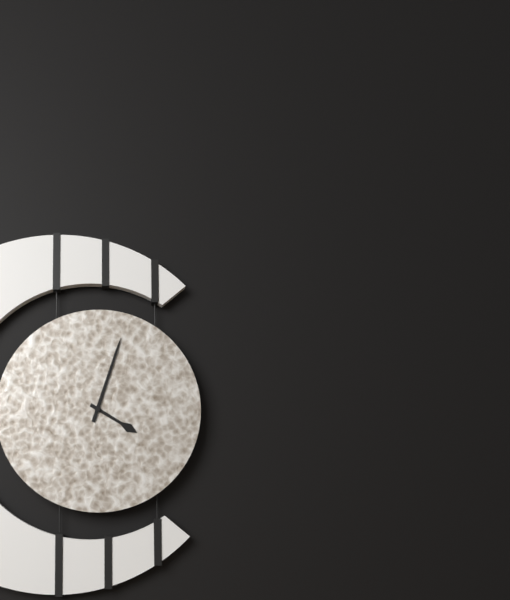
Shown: h=4 m=3
